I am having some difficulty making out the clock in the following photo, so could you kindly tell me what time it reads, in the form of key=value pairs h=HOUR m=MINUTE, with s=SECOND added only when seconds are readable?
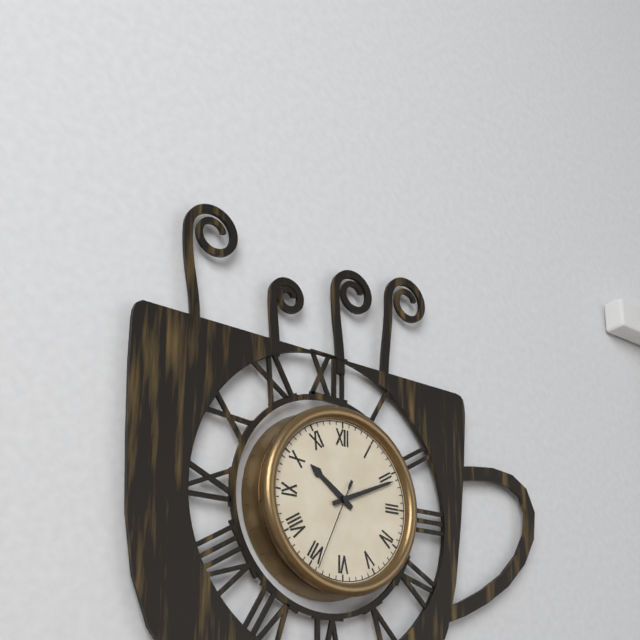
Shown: h=10 m=11 s=34
